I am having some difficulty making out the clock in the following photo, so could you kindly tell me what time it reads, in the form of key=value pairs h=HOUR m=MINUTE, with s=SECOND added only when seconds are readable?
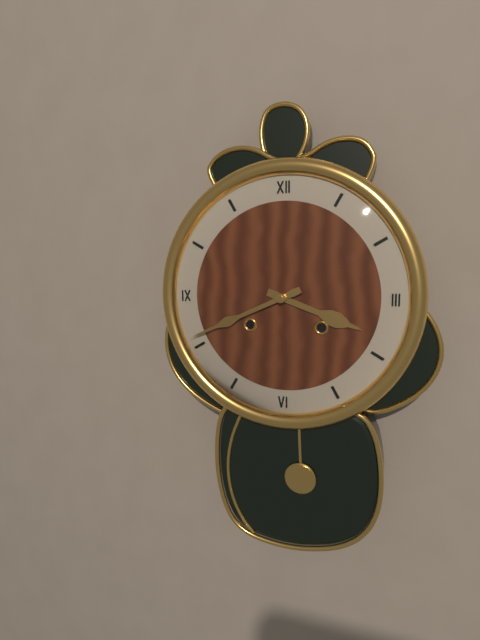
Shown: h=3 m=41
